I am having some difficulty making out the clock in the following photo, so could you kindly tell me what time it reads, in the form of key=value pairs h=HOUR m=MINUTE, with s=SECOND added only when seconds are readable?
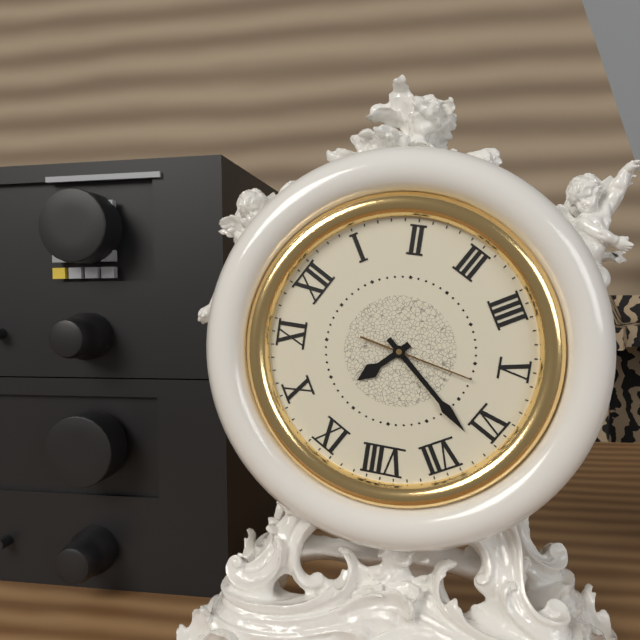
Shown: h=9 m=32 s=27
